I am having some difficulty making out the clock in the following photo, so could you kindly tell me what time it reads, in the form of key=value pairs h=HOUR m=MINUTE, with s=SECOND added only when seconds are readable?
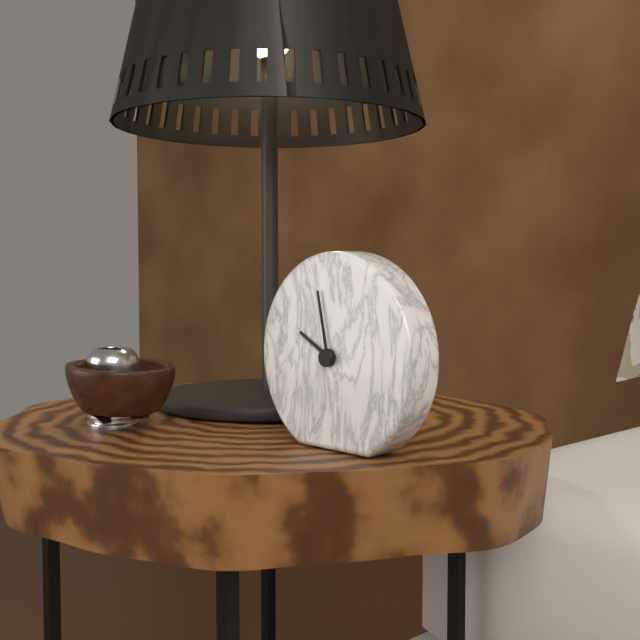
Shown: h=9 m=58
